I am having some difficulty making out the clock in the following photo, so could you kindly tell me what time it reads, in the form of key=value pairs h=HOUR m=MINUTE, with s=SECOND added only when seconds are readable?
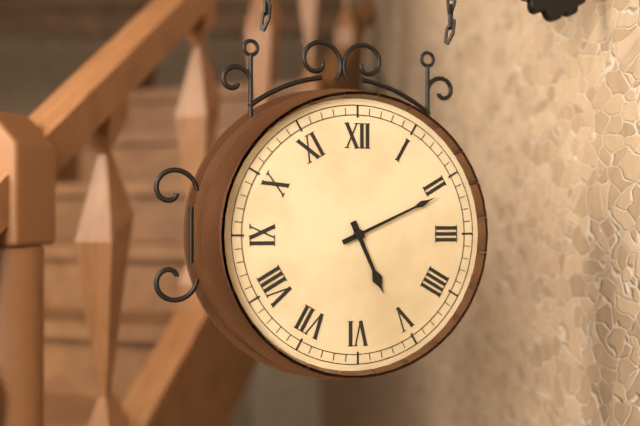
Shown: h=5 m=11
